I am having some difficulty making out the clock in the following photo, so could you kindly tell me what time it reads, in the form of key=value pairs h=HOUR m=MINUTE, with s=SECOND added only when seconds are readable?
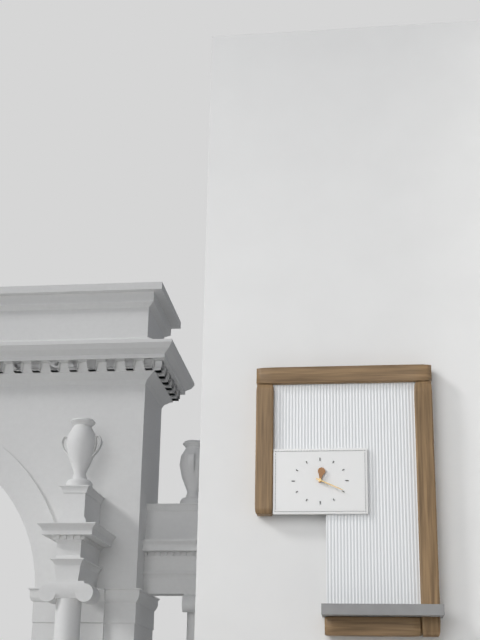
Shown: h=12 m=19
